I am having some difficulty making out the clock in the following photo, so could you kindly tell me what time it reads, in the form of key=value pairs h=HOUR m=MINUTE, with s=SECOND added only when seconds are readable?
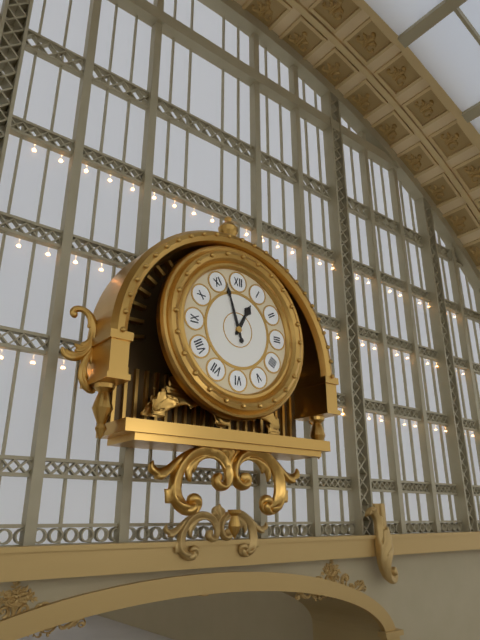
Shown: h=12 m=57
